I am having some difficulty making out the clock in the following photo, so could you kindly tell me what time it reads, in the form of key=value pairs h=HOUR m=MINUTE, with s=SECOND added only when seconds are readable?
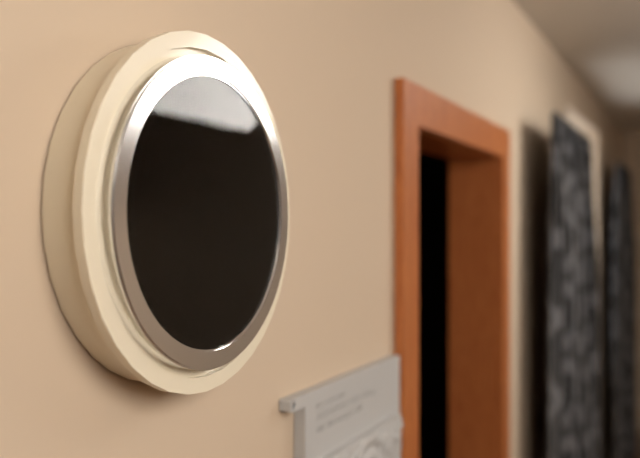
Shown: h=6 m=21
